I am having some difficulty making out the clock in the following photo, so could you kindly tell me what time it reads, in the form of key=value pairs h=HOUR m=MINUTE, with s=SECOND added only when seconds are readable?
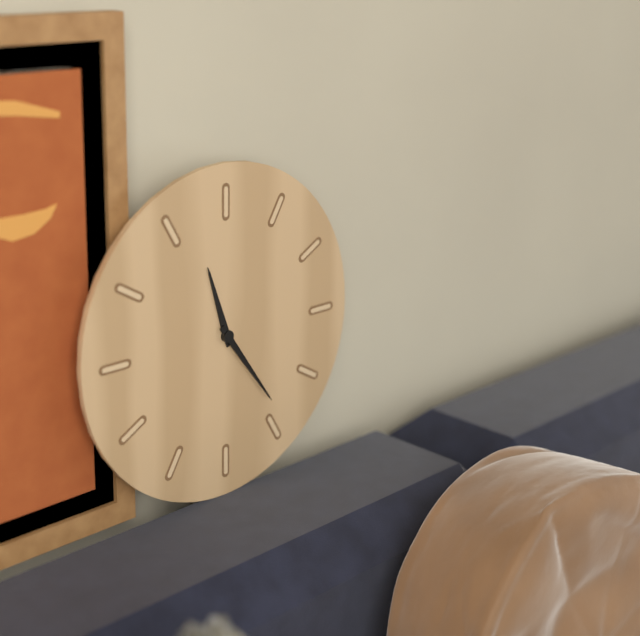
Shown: h=11 m=24
